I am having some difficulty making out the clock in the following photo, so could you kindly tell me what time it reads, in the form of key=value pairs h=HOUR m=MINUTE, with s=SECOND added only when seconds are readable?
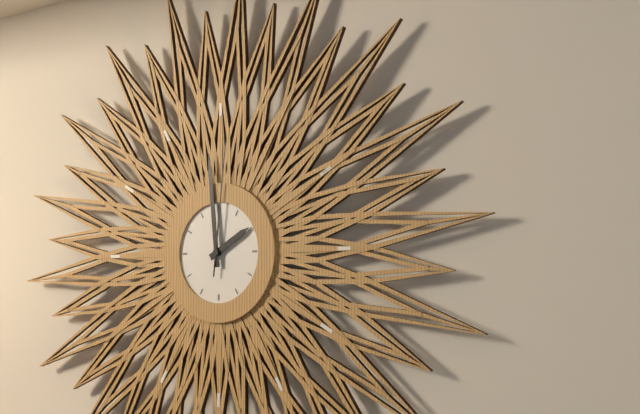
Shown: h=1 m=59 s=1
